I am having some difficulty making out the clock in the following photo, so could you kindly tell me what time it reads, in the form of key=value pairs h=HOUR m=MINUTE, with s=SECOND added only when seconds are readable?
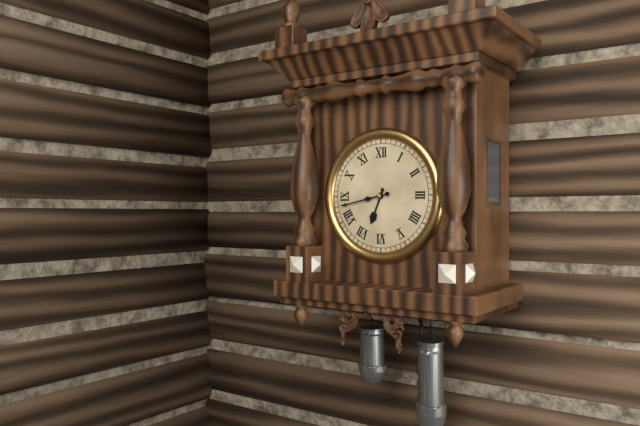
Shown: h=6 m=43
